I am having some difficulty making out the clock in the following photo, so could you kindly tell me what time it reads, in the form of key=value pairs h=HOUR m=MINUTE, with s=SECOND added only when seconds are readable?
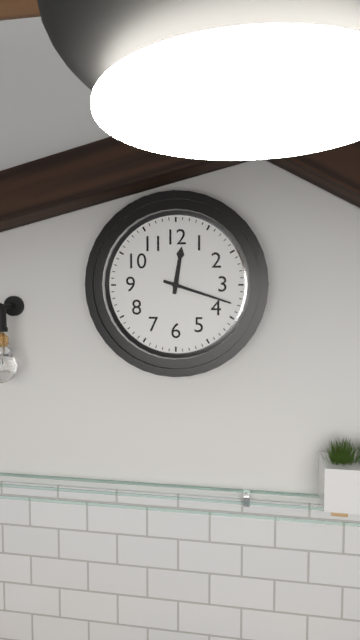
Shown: h=12 m=18
